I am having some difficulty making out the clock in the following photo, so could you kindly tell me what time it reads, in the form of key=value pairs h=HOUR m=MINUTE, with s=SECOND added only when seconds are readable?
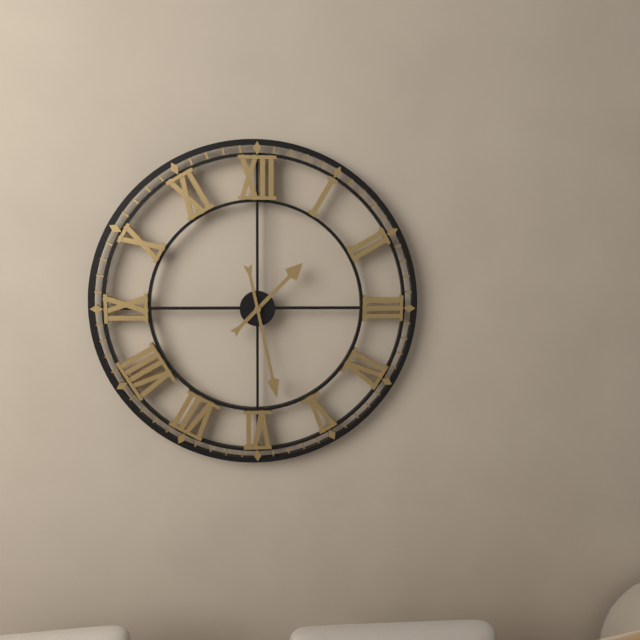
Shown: h=1 m=28
